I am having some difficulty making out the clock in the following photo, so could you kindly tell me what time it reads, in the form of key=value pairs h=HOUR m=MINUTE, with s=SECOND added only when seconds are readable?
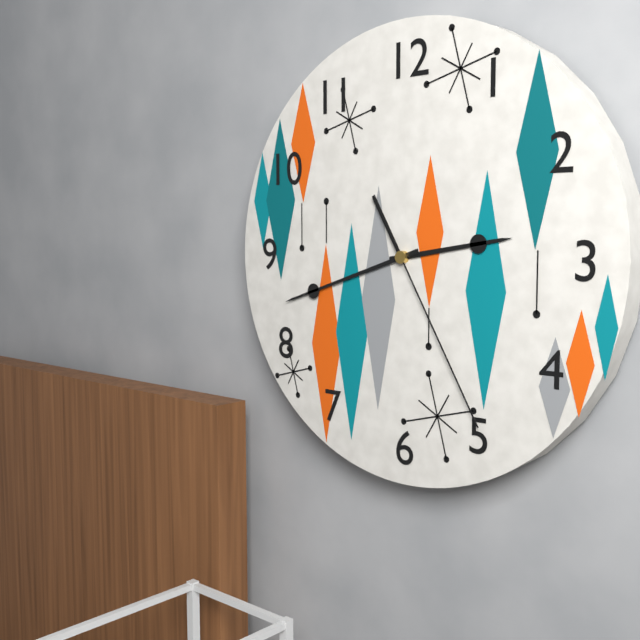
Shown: h=2 m=42 s=25
